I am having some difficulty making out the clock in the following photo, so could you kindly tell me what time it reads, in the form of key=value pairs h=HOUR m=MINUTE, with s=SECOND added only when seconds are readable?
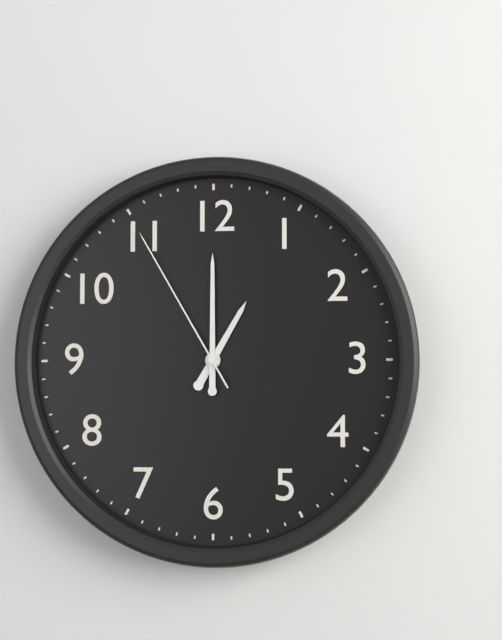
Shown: h=1 m=0 s=55
